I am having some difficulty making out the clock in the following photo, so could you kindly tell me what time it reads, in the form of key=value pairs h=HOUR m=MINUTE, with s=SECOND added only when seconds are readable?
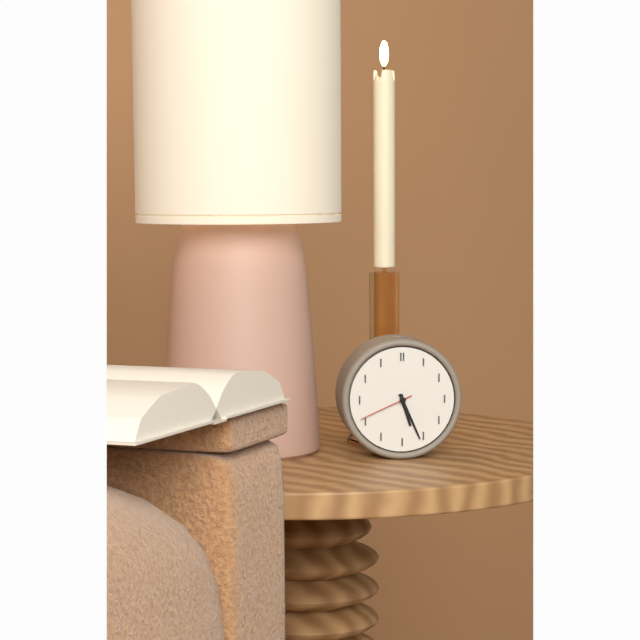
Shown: h=5 m=26 s=41
